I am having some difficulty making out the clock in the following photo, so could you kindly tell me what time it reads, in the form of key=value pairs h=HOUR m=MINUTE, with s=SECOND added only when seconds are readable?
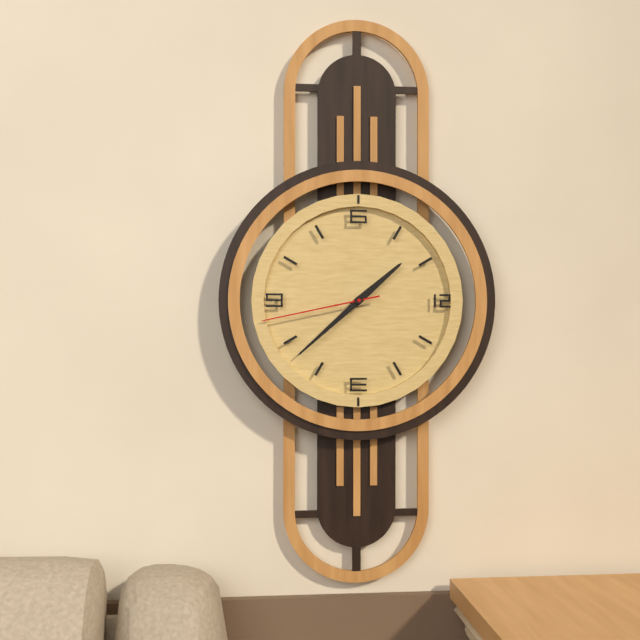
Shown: h=1 m=38 s=43
